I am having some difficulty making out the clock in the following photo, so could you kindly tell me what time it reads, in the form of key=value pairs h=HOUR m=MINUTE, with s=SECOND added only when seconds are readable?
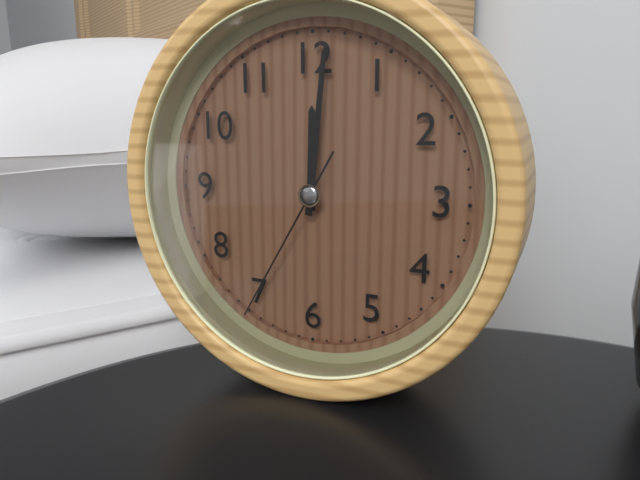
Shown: h=12 m=1 s=35
